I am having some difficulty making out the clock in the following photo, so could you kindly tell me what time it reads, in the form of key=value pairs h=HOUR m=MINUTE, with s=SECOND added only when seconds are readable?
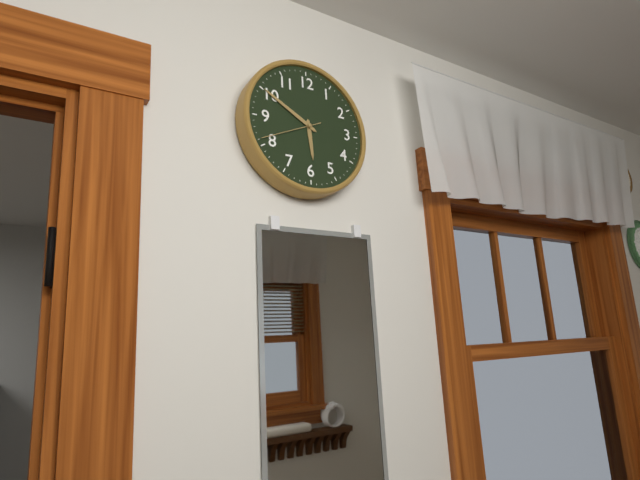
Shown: h=5 m=50
